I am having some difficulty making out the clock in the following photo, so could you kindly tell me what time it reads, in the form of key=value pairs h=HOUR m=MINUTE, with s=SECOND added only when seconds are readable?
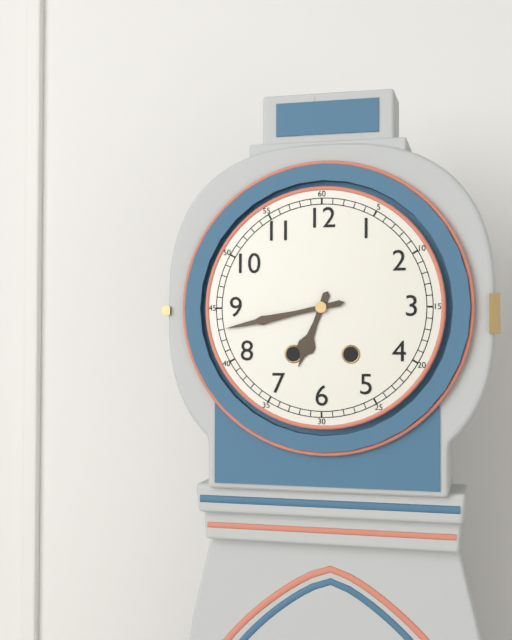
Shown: h=6 m=43
